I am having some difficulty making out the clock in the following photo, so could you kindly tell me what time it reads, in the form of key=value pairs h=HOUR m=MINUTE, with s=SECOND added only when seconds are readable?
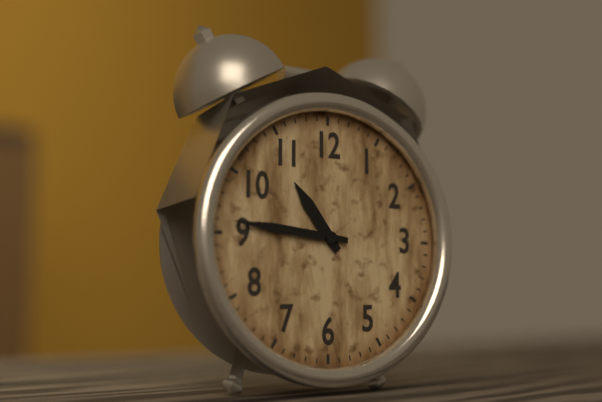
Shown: h=10 m=46
